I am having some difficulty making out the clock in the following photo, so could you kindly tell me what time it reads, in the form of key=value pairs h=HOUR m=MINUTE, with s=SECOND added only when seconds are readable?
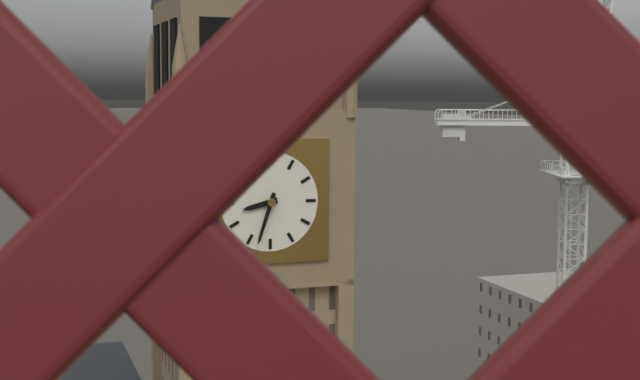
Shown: h=8 m=33
